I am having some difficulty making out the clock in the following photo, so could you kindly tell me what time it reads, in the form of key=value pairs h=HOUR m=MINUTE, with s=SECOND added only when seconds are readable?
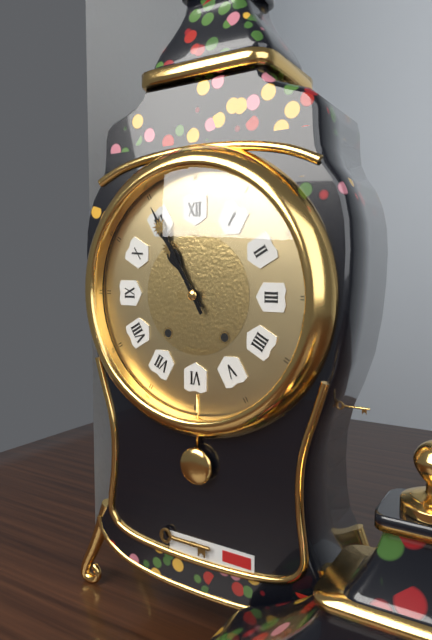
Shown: h=10 m=55
